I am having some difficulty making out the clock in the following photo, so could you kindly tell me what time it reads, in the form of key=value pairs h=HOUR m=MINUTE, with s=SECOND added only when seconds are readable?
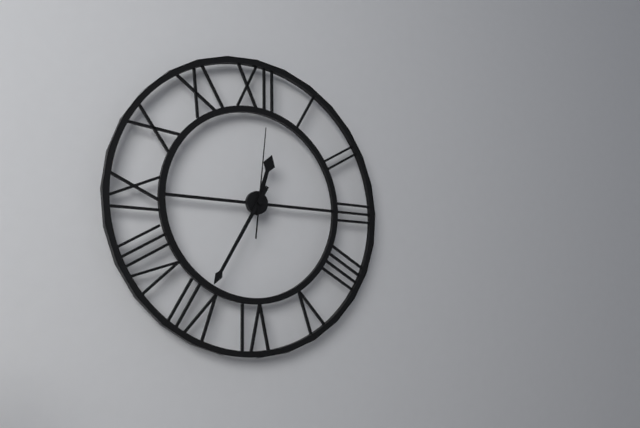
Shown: h=12 m=35 s=1
